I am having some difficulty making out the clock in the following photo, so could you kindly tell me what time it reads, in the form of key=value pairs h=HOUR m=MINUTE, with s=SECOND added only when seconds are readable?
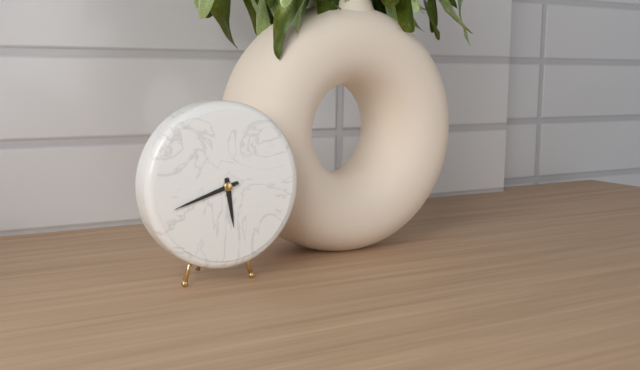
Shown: h=5 m=42
